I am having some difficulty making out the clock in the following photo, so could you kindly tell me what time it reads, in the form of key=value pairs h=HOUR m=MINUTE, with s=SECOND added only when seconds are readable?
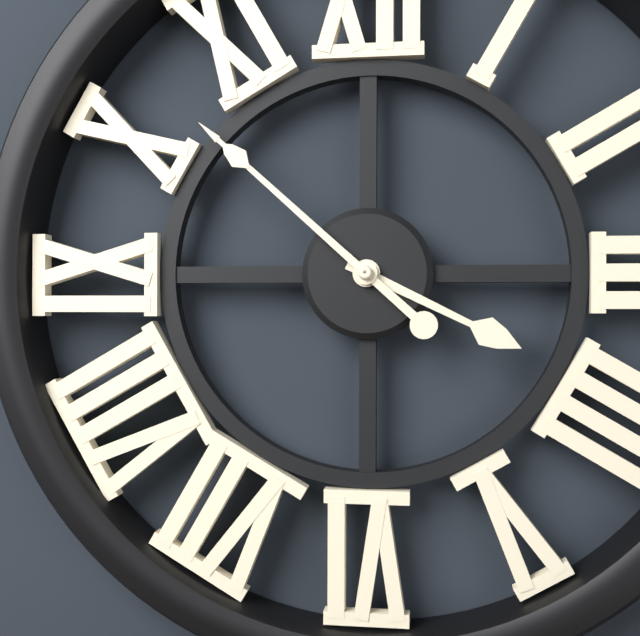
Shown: h=3 m=52
